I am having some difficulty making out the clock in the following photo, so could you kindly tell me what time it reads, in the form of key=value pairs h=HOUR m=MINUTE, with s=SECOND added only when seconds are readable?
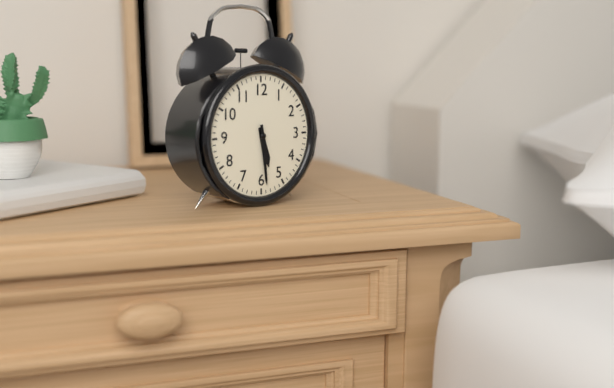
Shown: h=5 m=29
